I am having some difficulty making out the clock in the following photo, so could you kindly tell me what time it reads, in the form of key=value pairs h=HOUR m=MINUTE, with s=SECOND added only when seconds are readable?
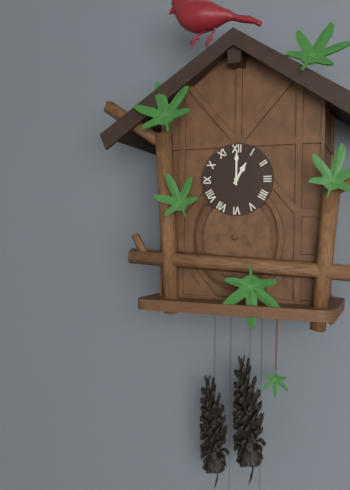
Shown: h=1 m=0
